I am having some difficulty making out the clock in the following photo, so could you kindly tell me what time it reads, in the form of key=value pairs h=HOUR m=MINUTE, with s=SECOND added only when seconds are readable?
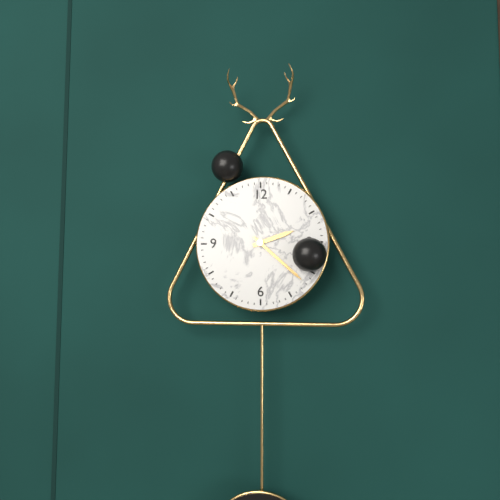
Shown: h=2 m=22
